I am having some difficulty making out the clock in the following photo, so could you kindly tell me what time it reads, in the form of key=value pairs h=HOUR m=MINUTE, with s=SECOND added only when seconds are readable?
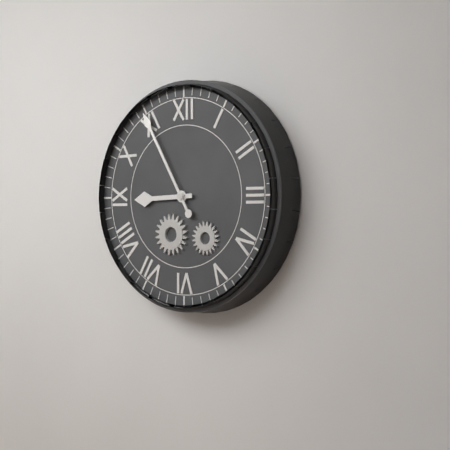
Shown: h=8 m=55
